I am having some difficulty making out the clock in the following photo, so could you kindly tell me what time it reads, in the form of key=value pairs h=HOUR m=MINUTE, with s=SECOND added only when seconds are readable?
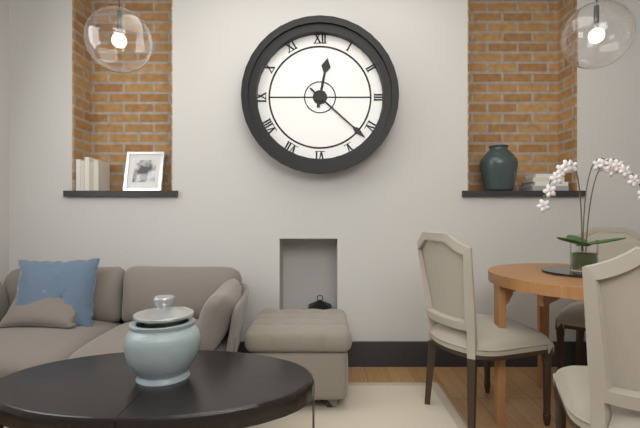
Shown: h=12 m=22
